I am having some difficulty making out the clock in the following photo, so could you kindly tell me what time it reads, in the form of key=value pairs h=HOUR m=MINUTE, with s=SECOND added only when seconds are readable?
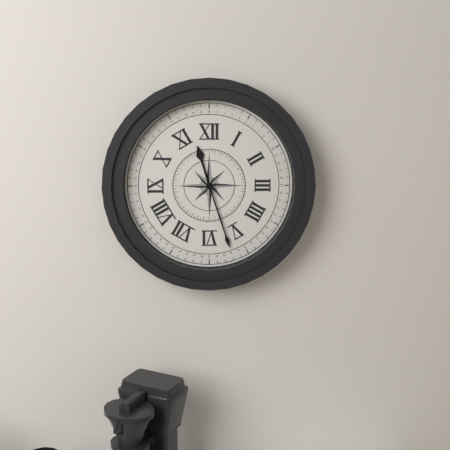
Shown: h=11 m=27
